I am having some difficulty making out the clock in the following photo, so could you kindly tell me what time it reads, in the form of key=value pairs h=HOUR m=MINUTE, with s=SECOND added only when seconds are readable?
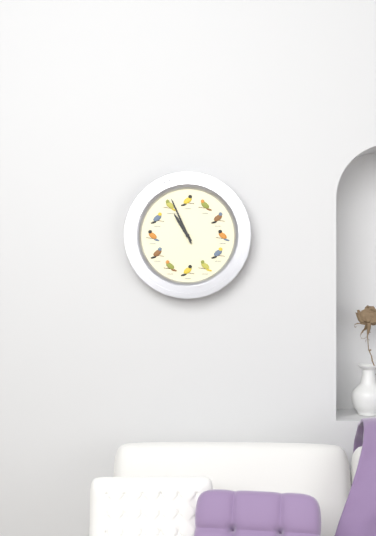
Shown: h=10 m=56
